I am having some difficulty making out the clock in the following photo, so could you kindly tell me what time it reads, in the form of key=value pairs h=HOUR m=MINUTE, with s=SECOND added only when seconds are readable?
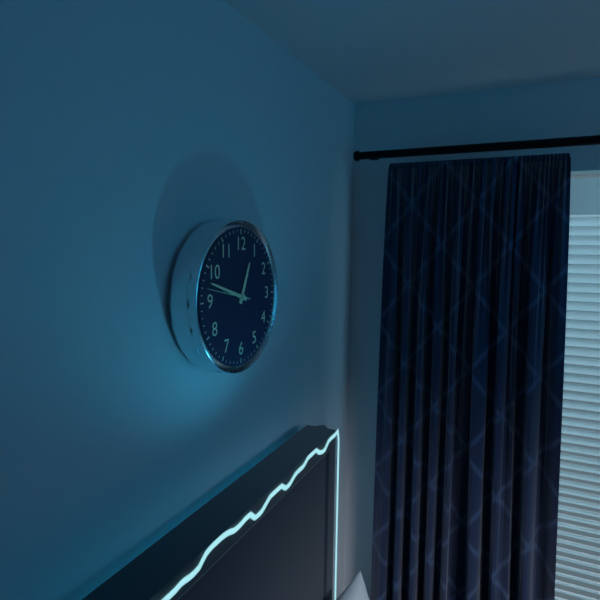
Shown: h=12 m=48
